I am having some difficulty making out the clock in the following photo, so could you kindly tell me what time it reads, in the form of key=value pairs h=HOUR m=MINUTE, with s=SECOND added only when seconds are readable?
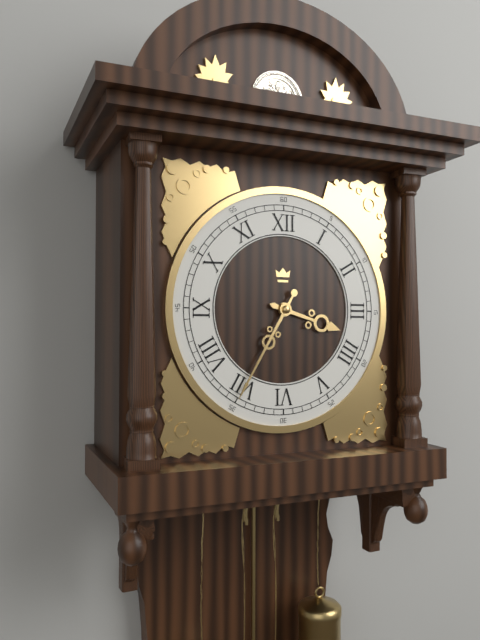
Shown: h=3 m=35
